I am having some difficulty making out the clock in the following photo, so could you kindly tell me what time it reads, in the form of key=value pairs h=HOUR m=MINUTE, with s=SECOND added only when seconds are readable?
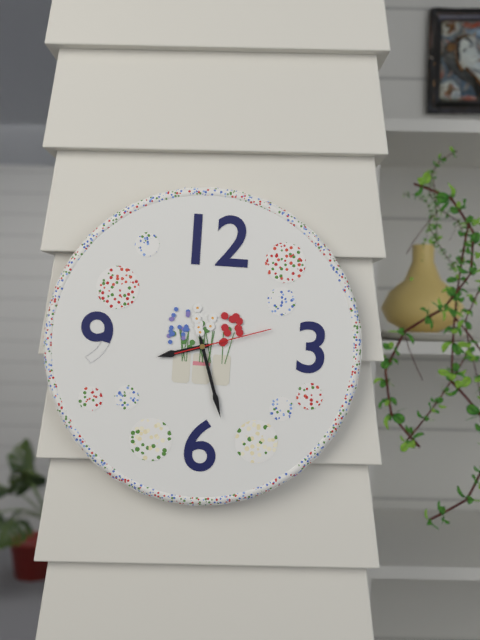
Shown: h=8 m=27 s=12
